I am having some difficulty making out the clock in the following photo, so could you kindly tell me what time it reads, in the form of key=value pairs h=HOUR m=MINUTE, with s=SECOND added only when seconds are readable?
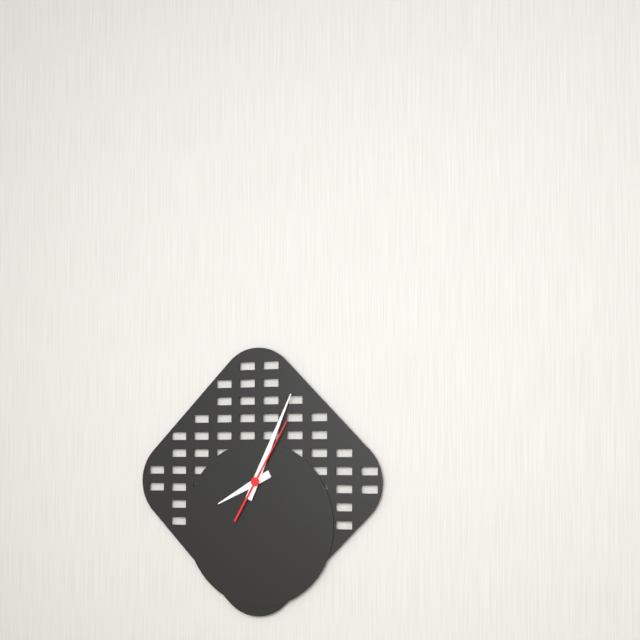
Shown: h=8 m=4 s=5
